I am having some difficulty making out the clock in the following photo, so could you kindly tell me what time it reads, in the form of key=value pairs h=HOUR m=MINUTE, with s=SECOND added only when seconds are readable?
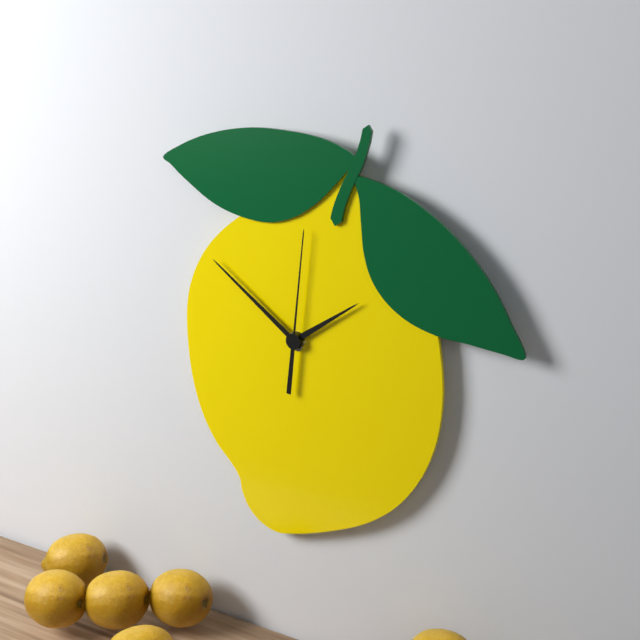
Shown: h=1 m=51 s=1
